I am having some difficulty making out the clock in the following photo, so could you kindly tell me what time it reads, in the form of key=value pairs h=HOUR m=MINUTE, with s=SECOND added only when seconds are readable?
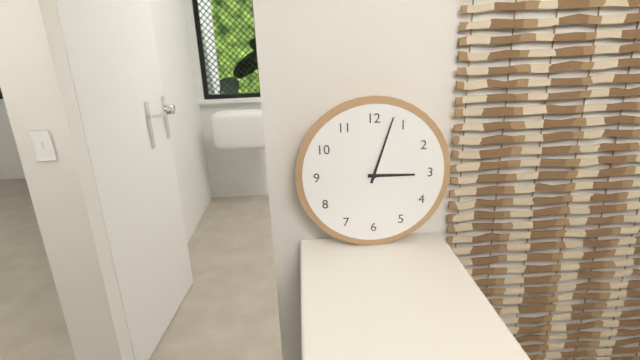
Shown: h=3 m=3
